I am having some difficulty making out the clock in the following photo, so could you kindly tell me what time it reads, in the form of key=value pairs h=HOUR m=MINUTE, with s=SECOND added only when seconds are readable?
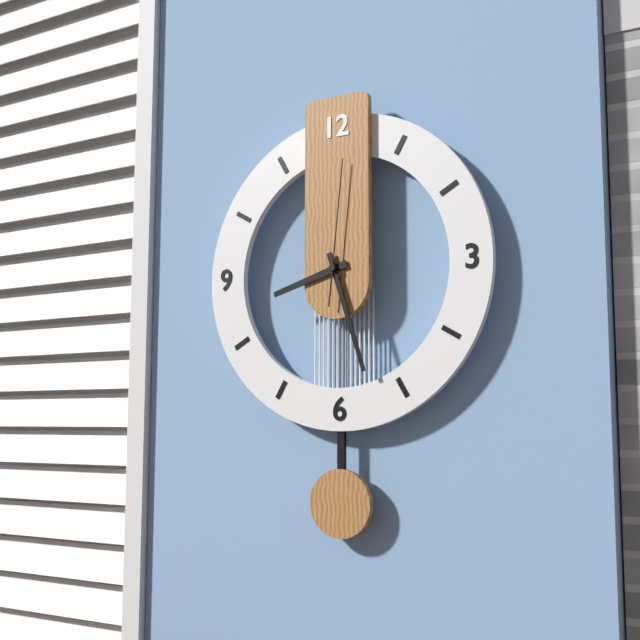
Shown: h=8 m=27 s=1
